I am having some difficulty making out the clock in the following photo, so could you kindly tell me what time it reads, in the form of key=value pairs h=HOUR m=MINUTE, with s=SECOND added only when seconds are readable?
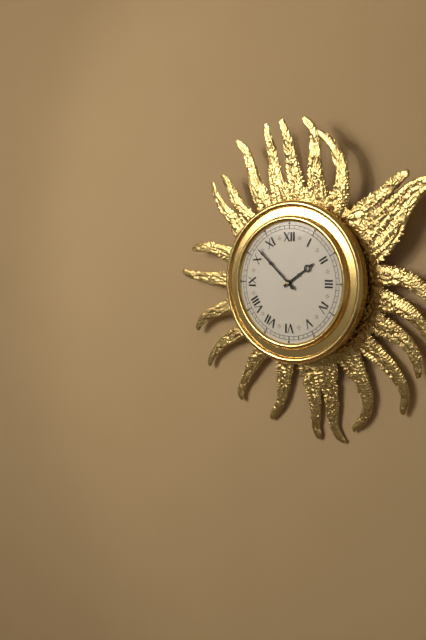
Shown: h=1 m=52
